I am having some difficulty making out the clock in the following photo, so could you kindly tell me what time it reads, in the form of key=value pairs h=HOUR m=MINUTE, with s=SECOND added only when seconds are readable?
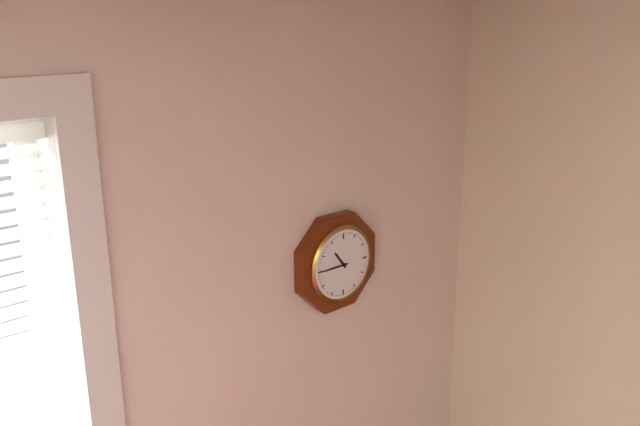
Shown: h=10 m=45
